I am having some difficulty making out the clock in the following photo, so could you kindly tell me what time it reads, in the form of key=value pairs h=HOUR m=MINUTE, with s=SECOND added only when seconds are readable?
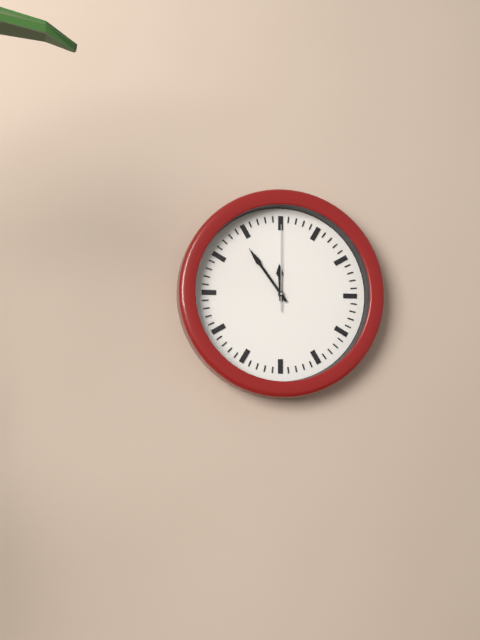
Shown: h=11 m=54 s=0
